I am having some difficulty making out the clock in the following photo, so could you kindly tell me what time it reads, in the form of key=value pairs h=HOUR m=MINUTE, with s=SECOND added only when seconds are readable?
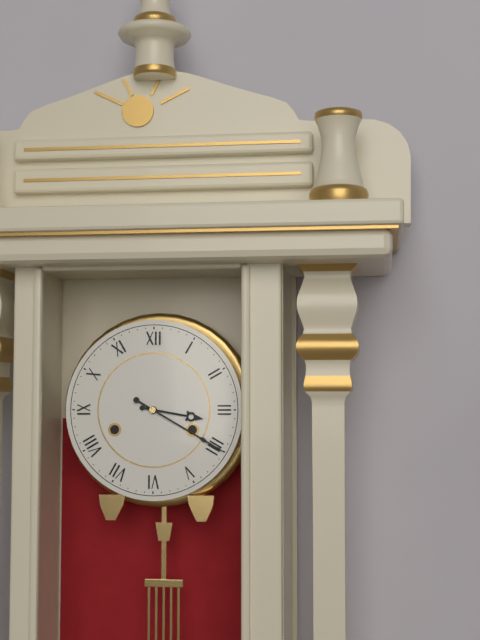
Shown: h=3 m=20
